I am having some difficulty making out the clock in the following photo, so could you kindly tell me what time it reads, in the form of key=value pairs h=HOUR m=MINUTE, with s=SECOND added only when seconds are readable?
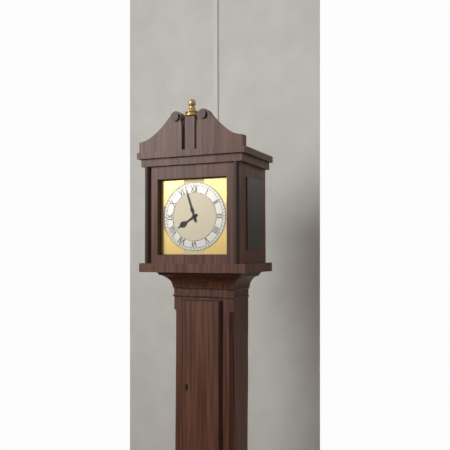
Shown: h=7 m=57
